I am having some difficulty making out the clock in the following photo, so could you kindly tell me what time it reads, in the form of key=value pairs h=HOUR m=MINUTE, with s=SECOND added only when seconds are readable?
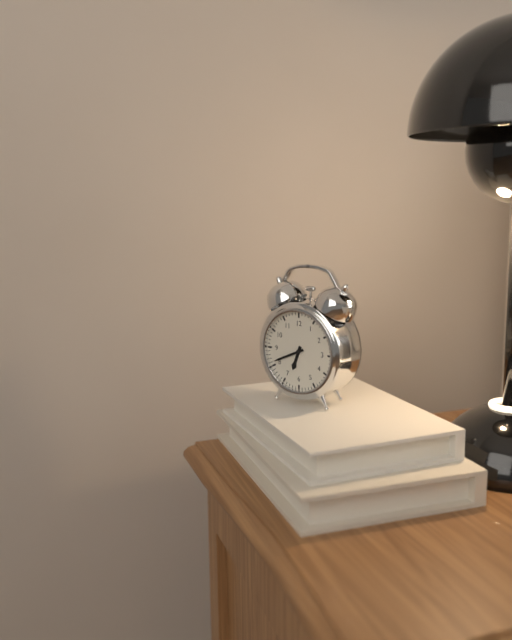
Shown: h=6 m=41
